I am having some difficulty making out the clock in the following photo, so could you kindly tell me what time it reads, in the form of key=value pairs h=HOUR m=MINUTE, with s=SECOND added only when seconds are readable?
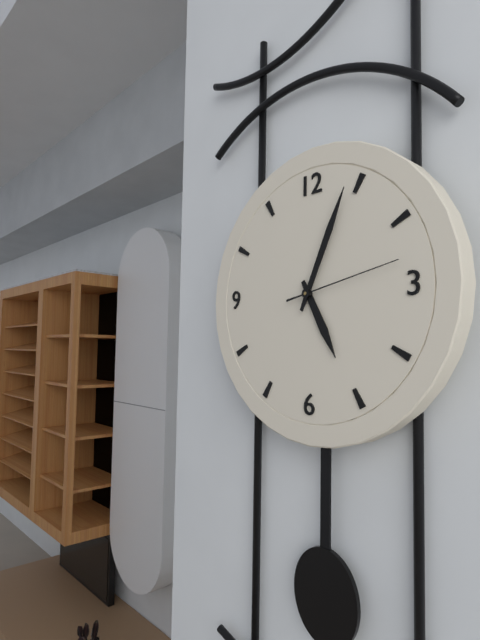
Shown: h=5 m=4 s=13
